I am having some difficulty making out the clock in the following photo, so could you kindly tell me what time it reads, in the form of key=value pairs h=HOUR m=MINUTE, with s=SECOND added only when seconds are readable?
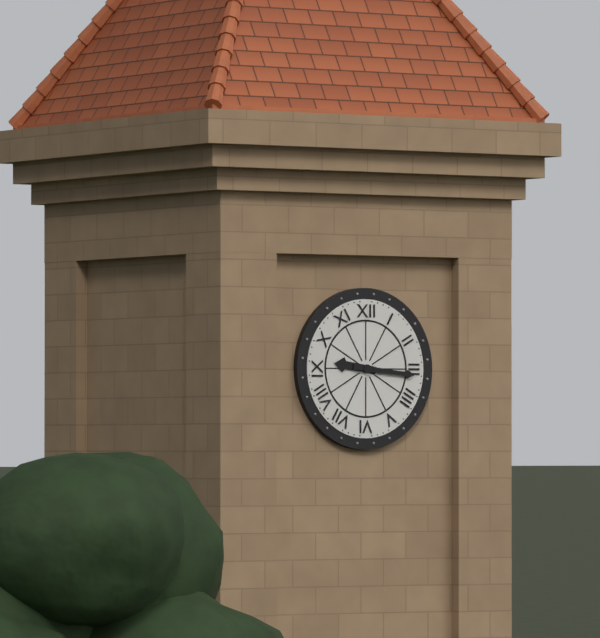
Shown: h=9 m=16
